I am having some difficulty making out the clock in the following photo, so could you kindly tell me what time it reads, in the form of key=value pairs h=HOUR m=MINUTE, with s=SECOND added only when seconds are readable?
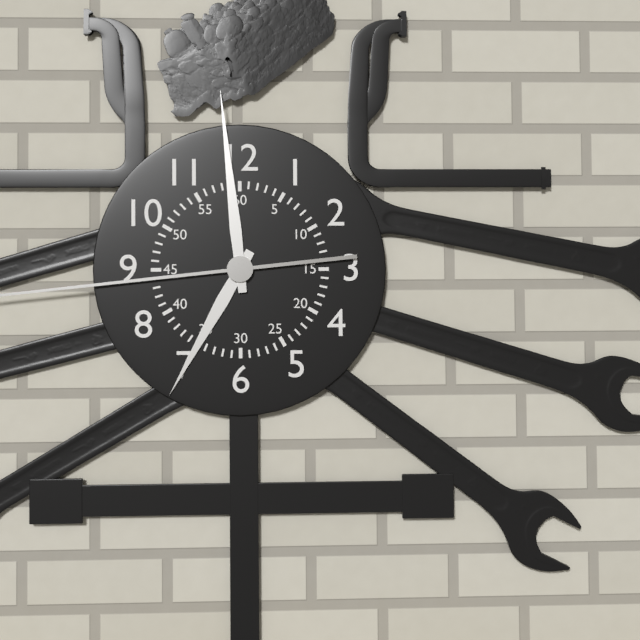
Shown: h=6 m=59
